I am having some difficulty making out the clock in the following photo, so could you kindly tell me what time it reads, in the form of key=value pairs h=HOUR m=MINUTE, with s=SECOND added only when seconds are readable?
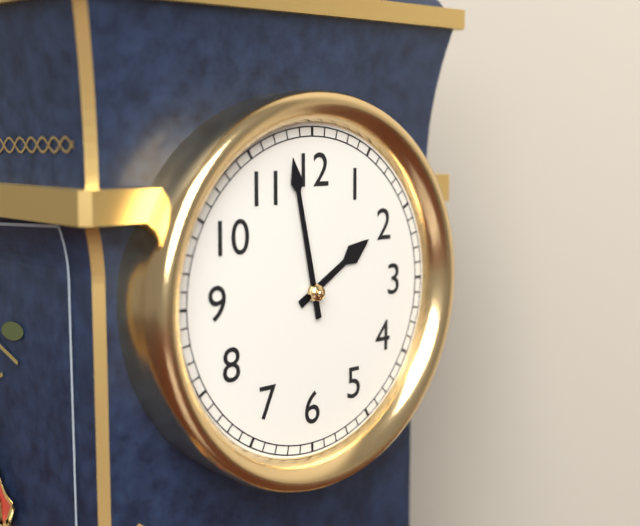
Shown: h=1 m=58
